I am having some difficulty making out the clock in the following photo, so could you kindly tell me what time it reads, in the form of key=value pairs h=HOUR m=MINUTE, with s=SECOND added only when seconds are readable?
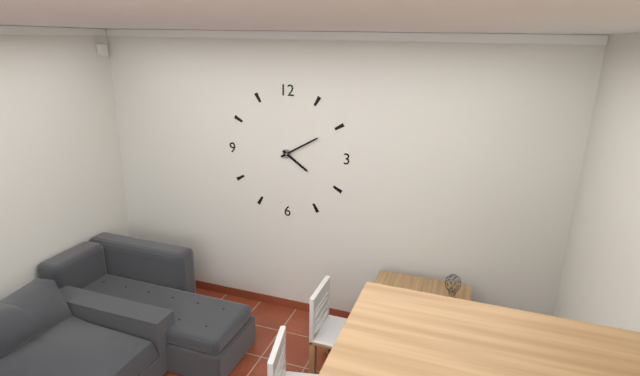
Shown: h=4 m=10
